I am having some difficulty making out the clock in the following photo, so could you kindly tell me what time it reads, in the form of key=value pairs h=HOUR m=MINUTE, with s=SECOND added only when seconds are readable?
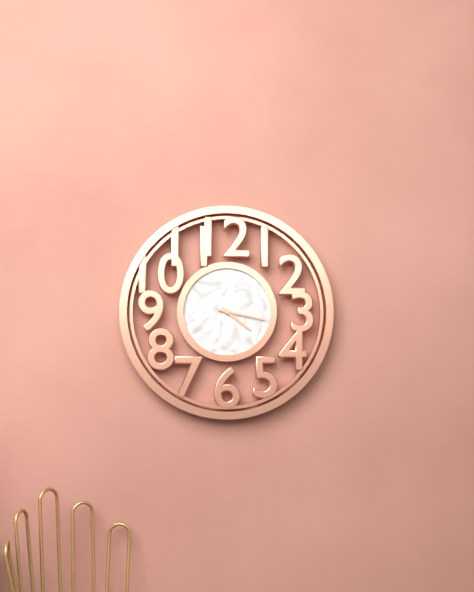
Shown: h=4 m=17
